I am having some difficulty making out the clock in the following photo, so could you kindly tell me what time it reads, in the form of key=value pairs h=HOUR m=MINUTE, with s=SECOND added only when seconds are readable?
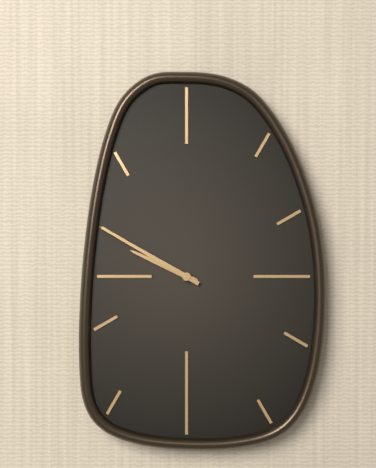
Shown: h=9 m=50
